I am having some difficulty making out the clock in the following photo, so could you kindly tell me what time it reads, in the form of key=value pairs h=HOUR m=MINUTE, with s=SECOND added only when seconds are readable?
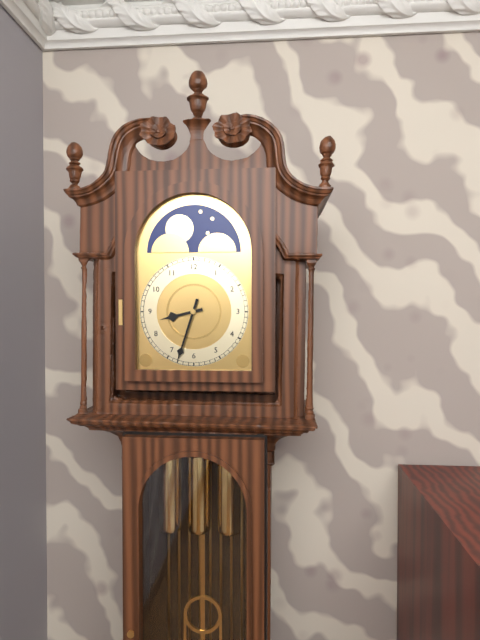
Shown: h=8 m=33
